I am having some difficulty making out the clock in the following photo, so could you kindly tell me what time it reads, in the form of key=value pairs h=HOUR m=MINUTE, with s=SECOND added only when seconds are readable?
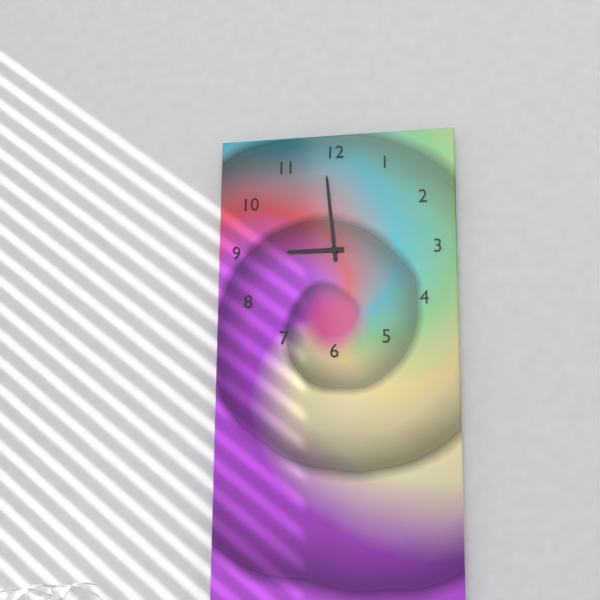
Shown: h=8 m=59
